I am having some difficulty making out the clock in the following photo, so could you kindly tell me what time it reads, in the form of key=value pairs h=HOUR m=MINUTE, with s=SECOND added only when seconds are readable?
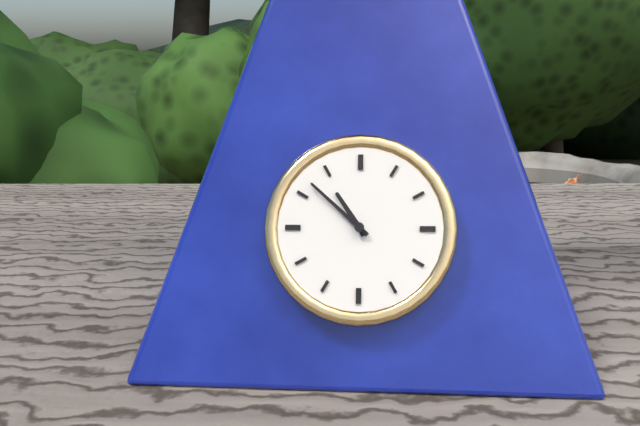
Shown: h=10 m=52
